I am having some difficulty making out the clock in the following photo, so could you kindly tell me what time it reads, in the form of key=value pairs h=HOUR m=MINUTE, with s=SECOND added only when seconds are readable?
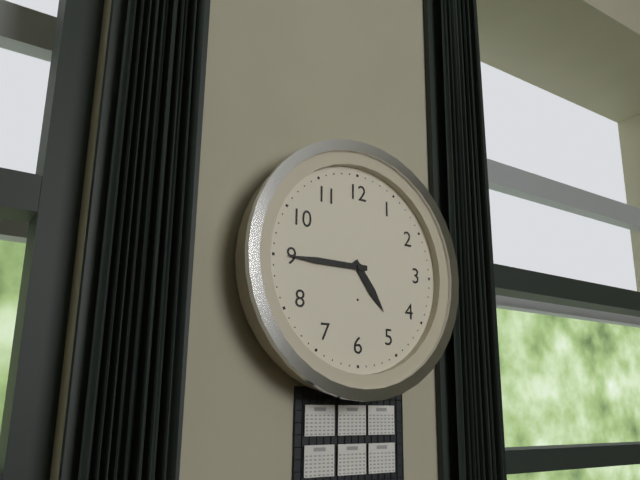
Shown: h=4 m=45
